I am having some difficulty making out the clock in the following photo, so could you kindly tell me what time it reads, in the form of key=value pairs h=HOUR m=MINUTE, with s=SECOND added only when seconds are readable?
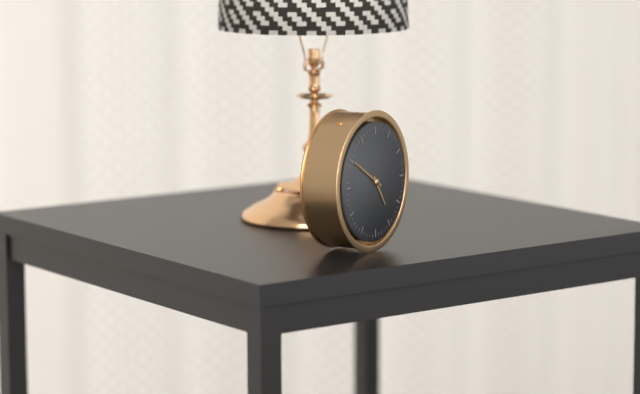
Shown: h=4 m=50
